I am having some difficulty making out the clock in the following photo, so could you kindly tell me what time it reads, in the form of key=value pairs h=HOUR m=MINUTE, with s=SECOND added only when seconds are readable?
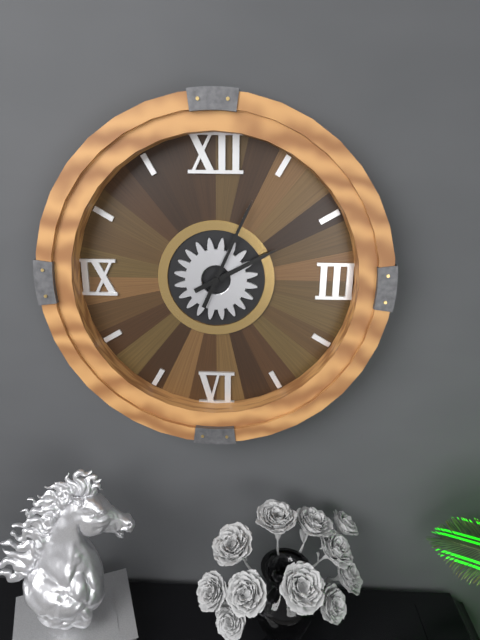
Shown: h=2 m=4
